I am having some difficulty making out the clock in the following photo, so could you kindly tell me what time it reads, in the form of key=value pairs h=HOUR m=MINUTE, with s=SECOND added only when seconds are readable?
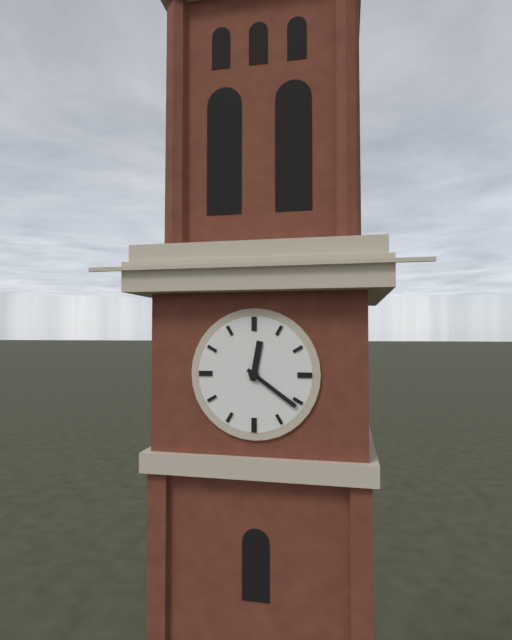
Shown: h=12 m=21
